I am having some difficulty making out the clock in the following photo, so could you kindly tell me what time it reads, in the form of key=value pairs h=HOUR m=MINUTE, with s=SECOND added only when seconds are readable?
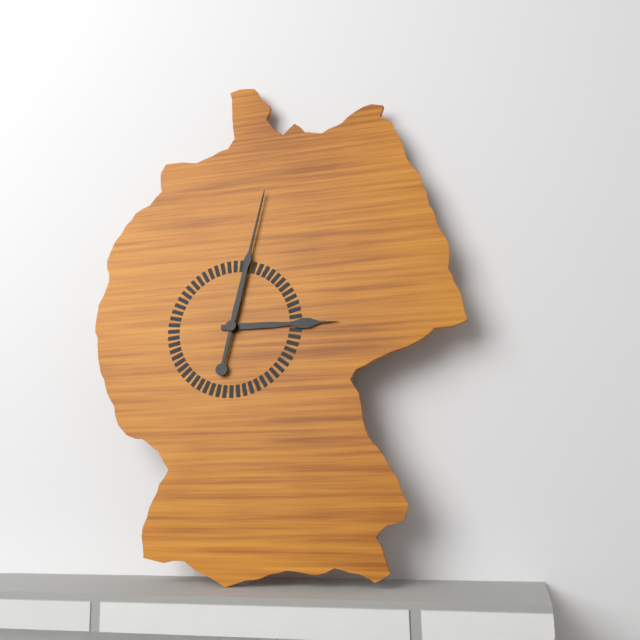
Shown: h=3 m=2
